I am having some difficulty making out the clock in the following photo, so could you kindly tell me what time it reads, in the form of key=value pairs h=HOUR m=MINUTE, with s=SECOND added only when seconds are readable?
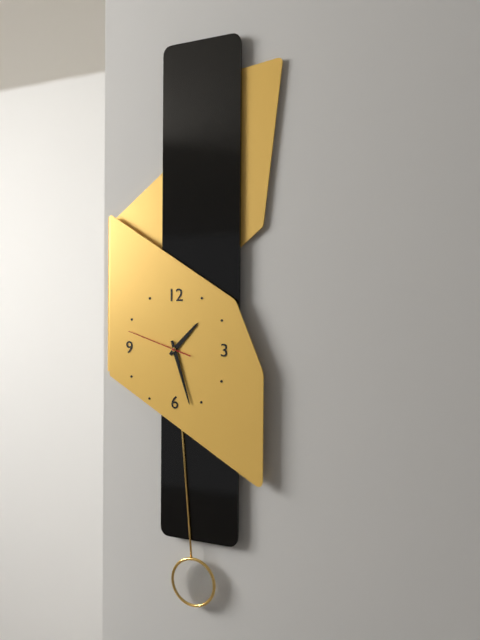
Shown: h=1 m=27 s=48
